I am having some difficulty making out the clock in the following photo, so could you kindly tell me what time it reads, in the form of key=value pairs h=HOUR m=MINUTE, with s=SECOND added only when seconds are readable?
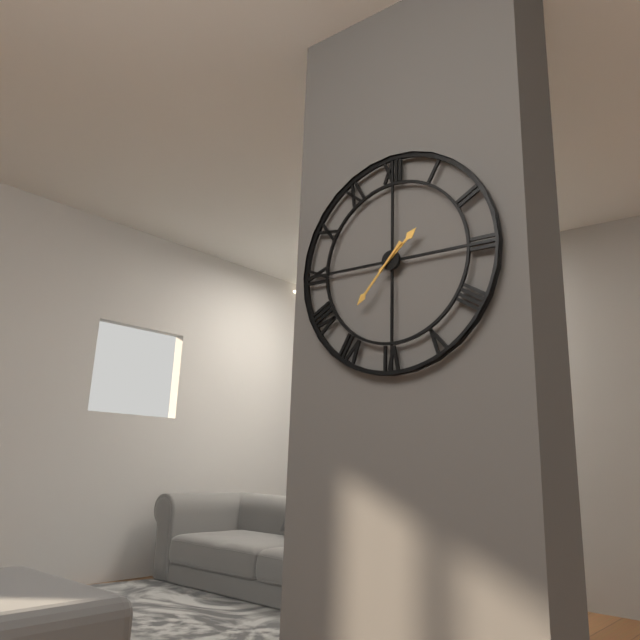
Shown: h=1 m=37
